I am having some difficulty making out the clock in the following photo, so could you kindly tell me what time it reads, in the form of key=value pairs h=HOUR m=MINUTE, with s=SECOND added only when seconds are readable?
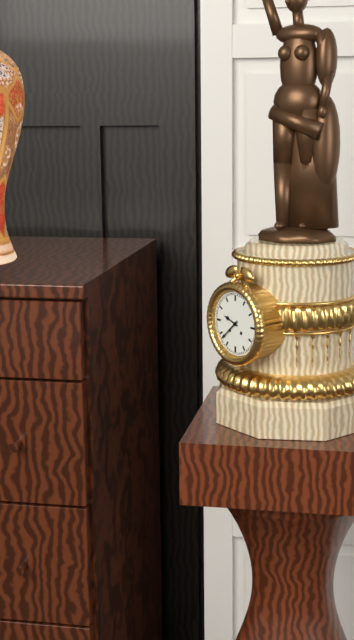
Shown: h=9 m=38
